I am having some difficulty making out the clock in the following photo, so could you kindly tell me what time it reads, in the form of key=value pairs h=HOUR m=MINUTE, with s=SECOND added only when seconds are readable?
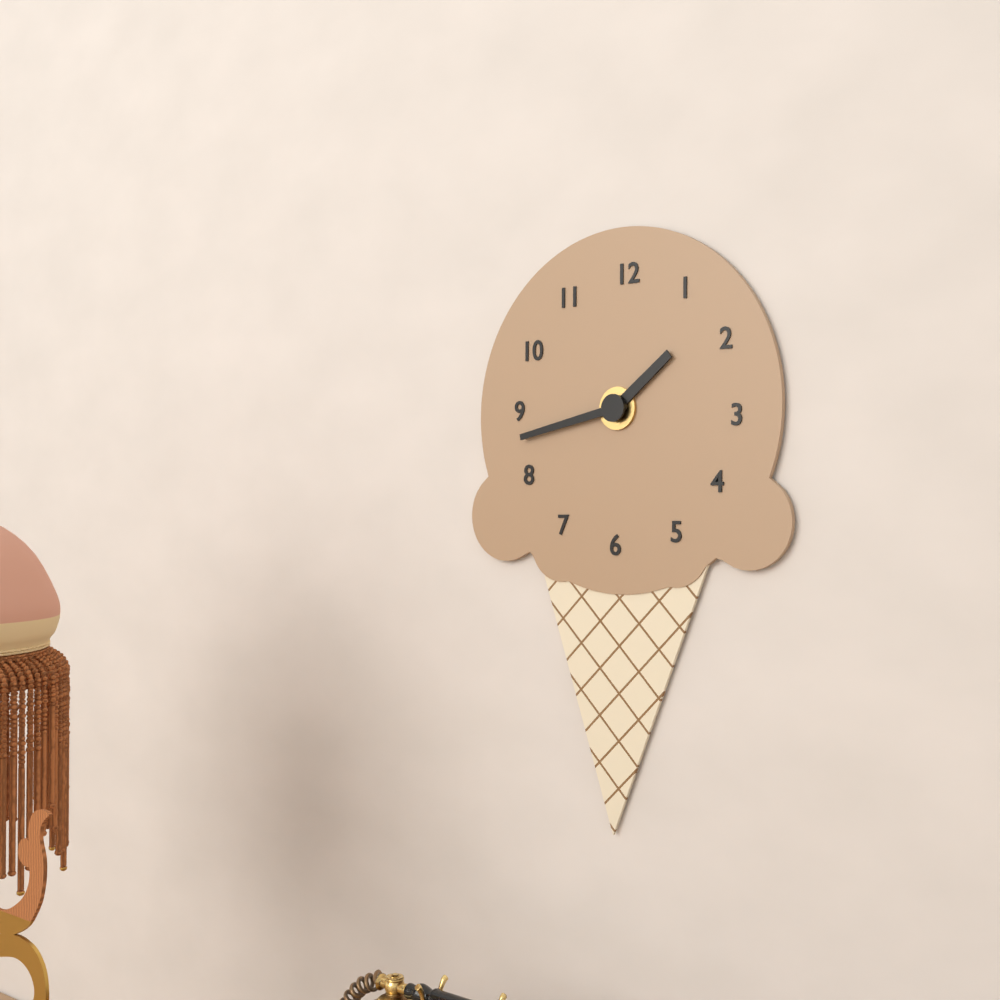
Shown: h=1 m=43
